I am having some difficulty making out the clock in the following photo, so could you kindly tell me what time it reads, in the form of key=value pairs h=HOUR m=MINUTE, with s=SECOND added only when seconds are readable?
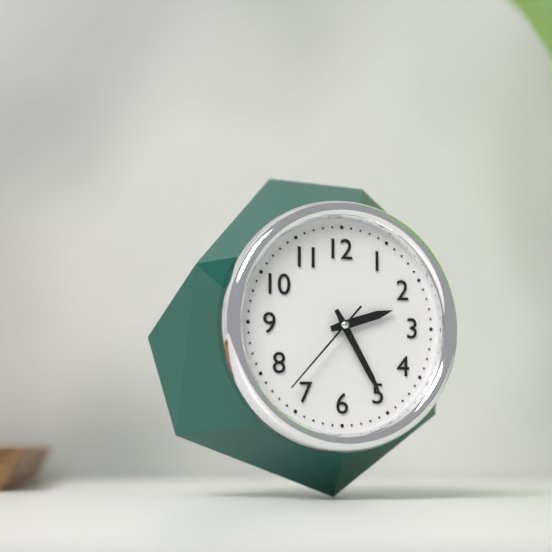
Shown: h=2 m=25 s=37
